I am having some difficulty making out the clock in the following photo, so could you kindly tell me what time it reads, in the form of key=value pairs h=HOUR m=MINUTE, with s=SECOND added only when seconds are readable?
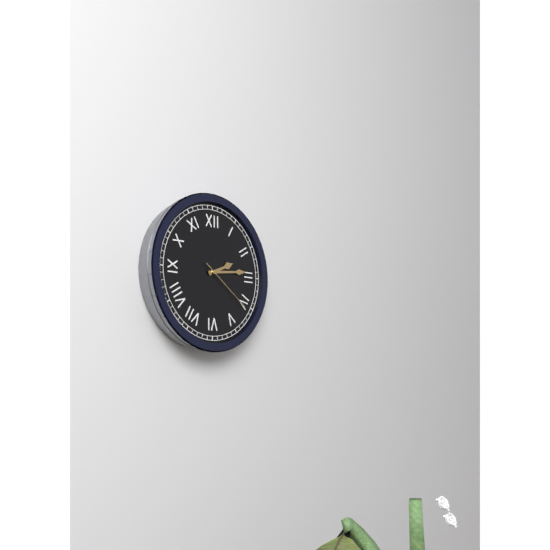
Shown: h=2 m=14 s=21
